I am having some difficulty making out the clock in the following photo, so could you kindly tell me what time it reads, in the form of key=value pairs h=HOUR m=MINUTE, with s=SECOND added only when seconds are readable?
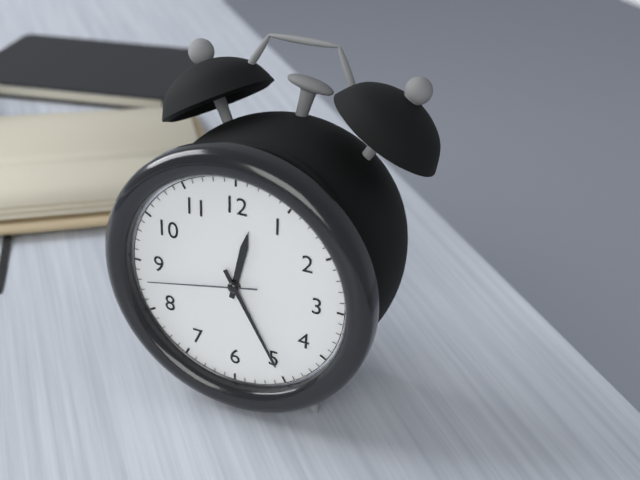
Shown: h=12 m=25 s=43
